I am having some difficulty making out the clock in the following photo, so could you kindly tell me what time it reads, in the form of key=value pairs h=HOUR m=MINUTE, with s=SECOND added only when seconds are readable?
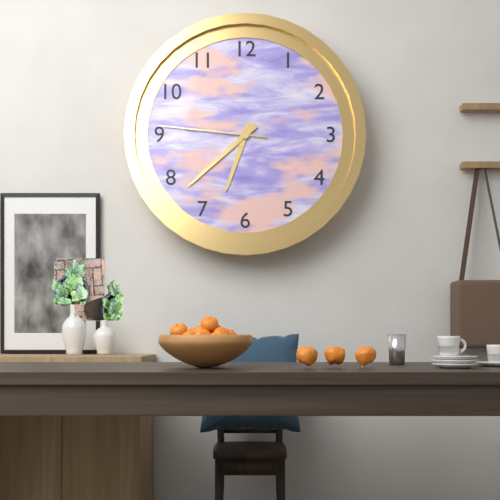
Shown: h=6 m=38 s=46
